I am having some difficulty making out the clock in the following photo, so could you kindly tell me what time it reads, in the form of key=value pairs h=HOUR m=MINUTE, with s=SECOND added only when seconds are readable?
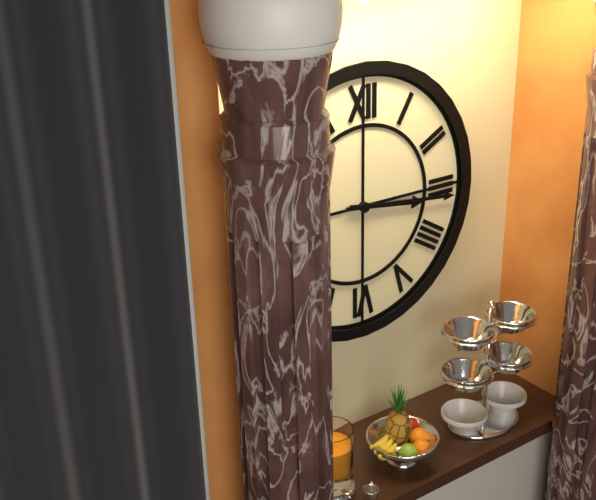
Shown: h=3 m=16
